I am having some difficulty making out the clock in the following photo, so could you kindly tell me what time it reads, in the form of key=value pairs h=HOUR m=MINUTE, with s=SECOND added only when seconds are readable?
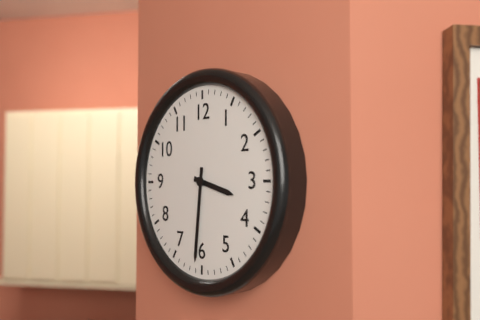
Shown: h=3 m=31
